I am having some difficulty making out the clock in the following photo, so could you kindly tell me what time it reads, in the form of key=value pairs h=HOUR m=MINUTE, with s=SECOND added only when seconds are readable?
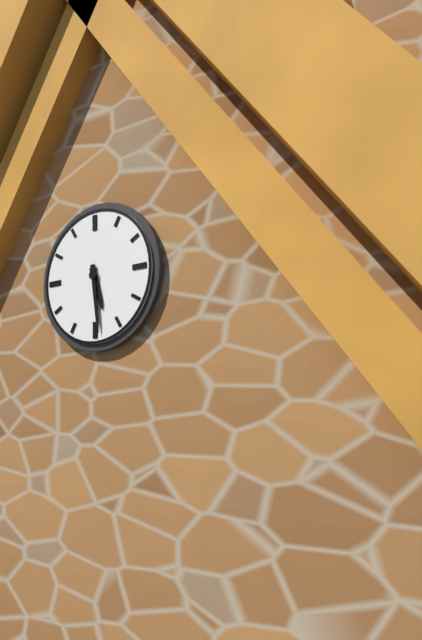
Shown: h=5 m=29
